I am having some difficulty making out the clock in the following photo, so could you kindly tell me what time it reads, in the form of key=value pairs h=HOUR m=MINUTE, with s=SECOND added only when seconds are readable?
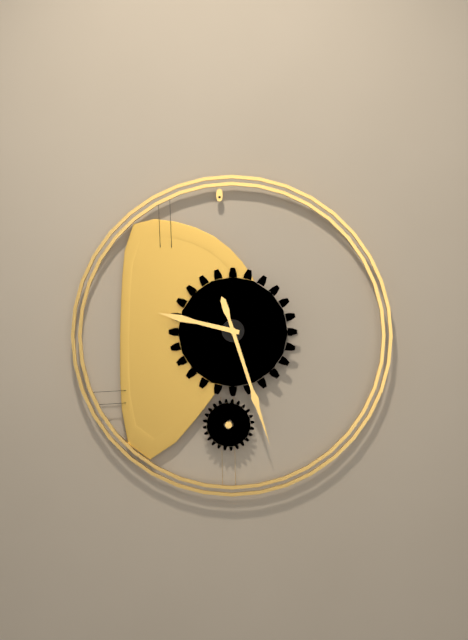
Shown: h=9 m=27
